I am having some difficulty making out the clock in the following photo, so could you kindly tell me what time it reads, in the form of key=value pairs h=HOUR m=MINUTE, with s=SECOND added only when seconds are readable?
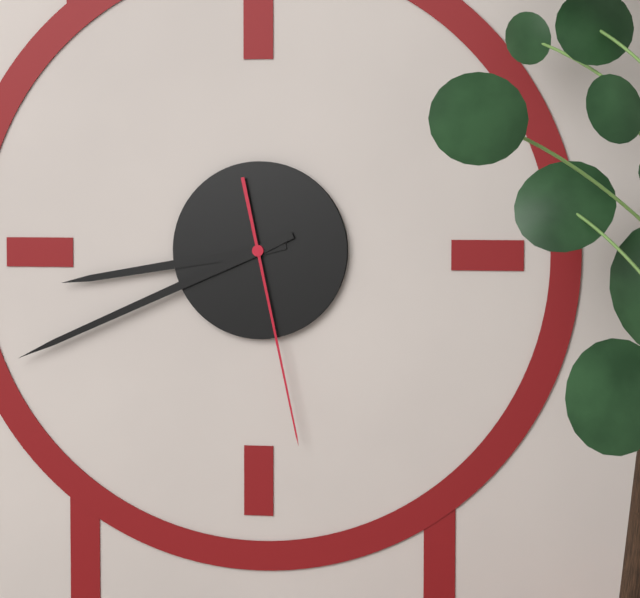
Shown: h=8 m=41 s=28
